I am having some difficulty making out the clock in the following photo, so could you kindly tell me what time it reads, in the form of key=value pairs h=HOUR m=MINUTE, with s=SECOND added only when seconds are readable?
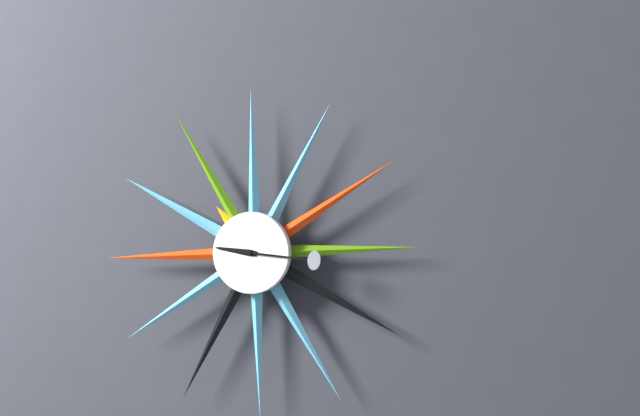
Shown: h=9 m=16
